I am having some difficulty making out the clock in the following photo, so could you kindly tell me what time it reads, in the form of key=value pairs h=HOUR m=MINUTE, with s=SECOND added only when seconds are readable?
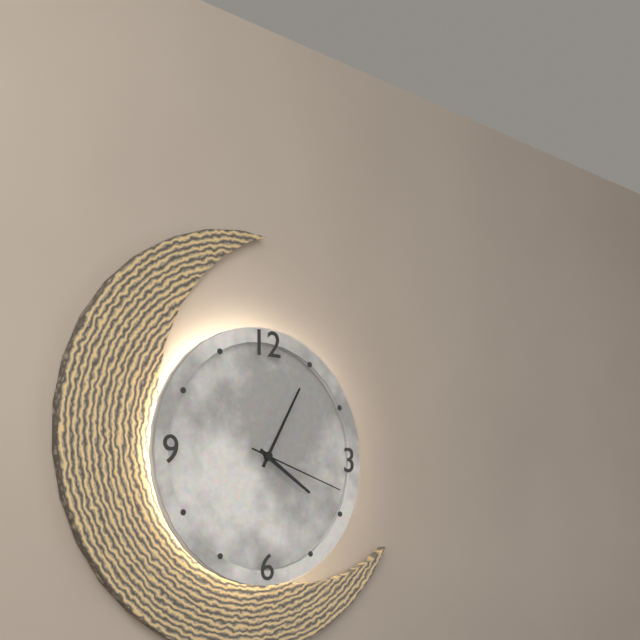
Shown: h=4 m=5 s=18
